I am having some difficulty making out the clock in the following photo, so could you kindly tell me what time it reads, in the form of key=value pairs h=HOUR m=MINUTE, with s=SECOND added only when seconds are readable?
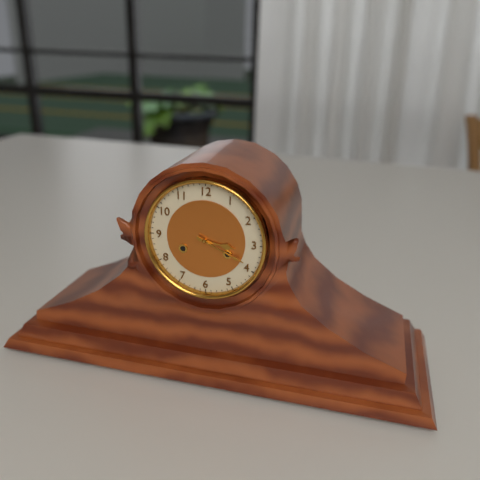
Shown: h=3 m=19
